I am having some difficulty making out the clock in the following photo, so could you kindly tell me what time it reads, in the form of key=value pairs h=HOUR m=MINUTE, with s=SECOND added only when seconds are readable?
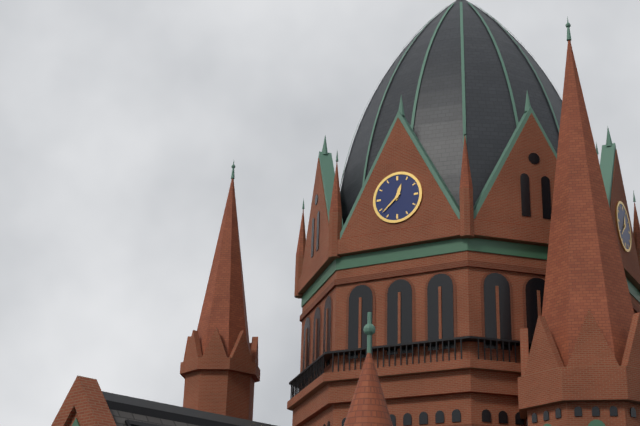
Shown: h=12 m=38
